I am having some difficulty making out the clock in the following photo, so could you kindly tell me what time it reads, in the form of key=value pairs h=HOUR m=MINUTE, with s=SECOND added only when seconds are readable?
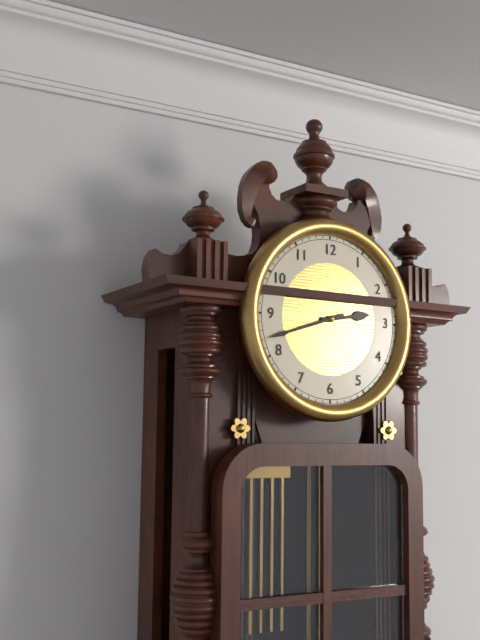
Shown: h=2 m=42
